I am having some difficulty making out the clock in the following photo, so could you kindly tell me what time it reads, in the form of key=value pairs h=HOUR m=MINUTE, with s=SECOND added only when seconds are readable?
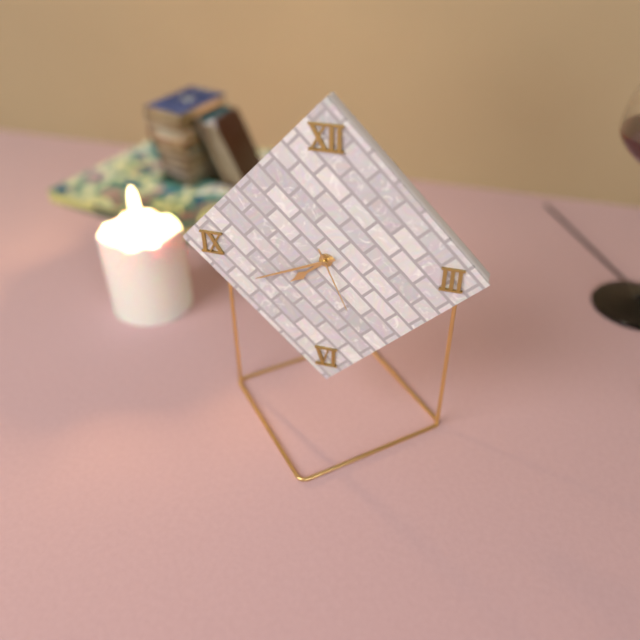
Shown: h=7 m=41 s=26
